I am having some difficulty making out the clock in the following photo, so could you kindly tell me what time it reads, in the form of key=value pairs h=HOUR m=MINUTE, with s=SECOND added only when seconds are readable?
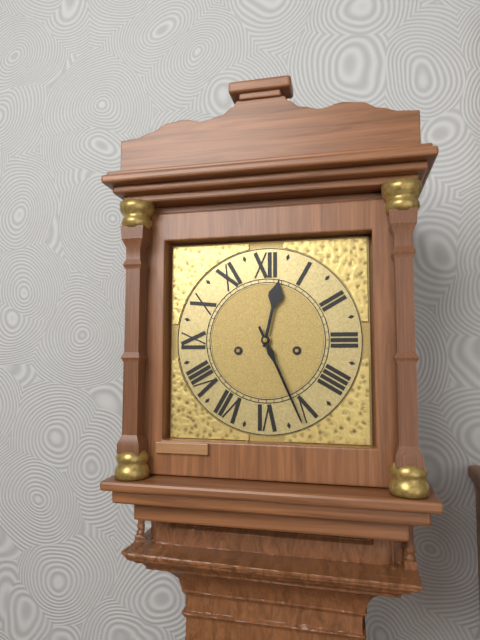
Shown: h=12 m=26
